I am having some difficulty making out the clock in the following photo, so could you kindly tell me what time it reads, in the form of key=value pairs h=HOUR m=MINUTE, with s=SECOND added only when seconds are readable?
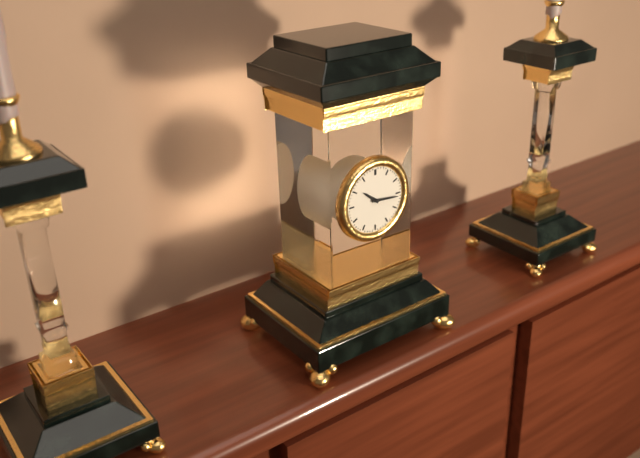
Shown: h=10 m=16
